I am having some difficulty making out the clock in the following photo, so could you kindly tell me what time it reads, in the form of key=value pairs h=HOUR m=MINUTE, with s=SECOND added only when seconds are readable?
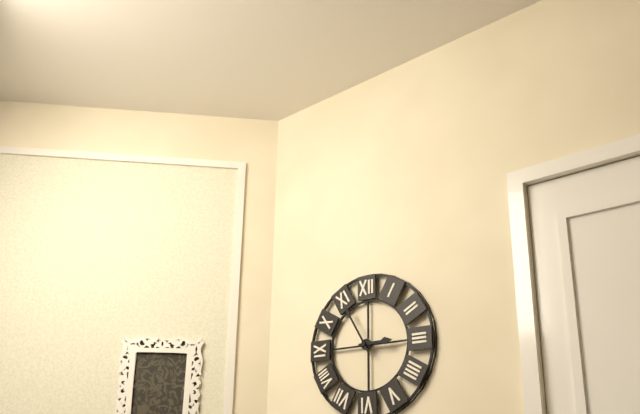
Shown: h=2 m=55
